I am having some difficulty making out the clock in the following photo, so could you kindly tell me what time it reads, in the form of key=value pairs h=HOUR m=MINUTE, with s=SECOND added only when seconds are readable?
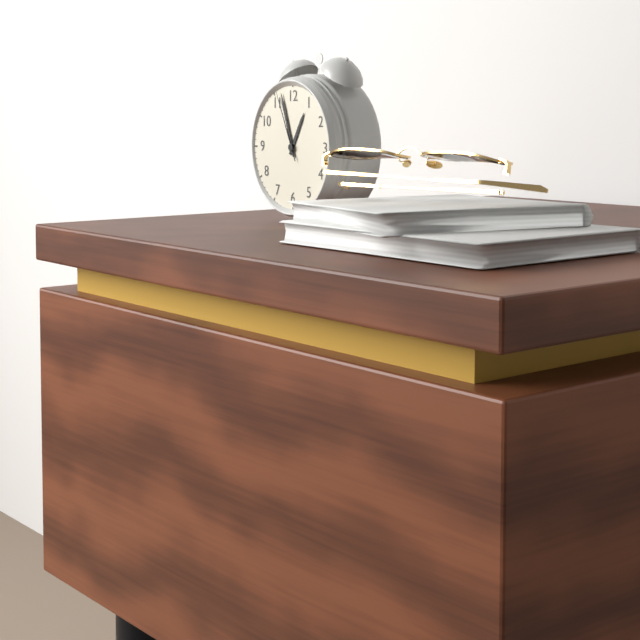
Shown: h=12 m=57 s=56
